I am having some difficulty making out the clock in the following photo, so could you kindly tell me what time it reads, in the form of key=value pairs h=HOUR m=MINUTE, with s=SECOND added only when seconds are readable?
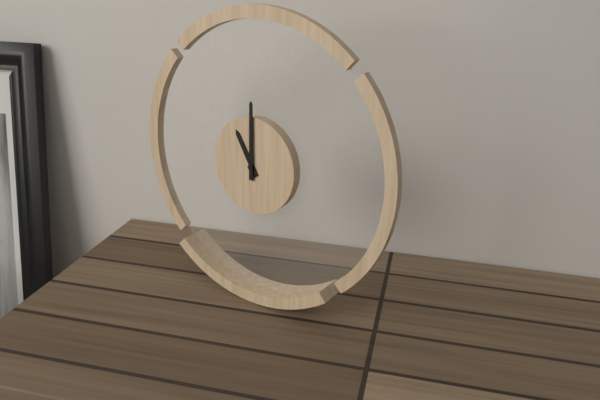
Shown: h=11 m=0
